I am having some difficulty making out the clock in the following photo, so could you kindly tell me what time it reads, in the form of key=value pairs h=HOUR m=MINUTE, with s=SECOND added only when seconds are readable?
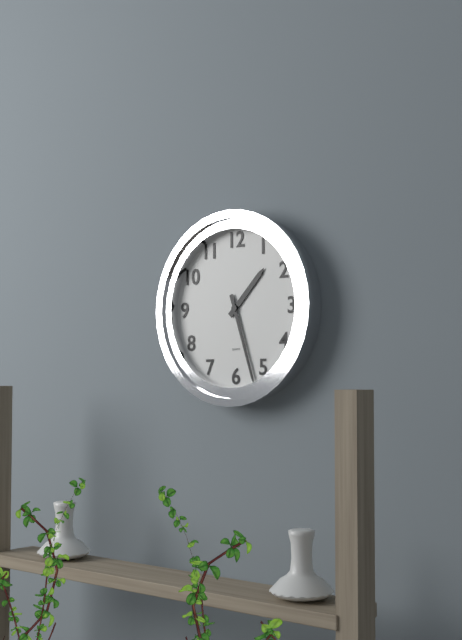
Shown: h=1 m=27
